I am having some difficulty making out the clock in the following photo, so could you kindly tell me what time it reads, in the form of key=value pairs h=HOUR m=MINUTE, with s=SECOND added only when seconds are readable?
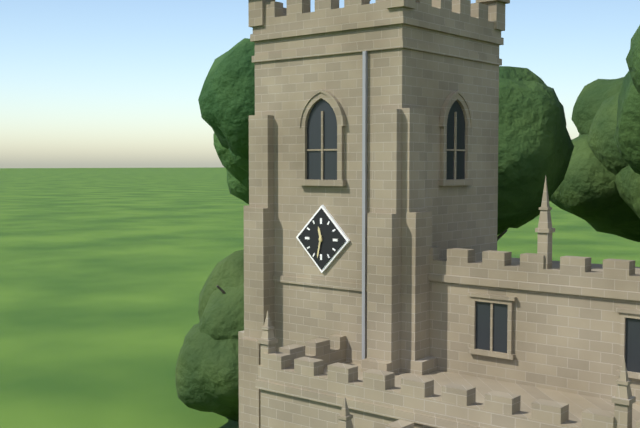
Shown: h=11 m=32
